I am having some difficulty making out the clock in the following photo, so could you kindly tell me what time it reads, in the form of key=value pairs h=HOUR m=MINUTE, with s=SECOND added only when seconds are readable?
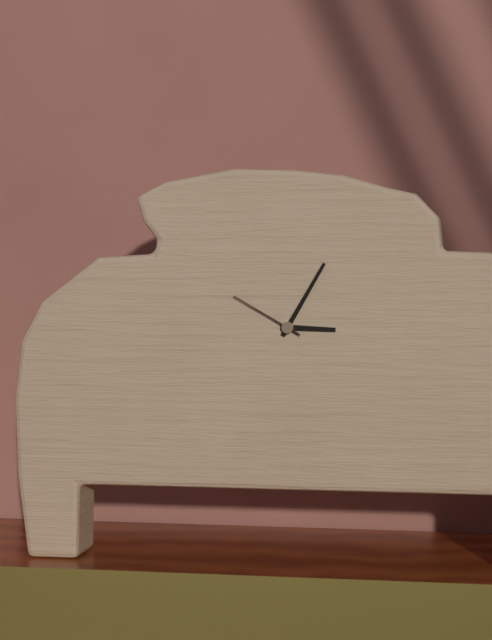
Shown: h=3 m=5 s=50
